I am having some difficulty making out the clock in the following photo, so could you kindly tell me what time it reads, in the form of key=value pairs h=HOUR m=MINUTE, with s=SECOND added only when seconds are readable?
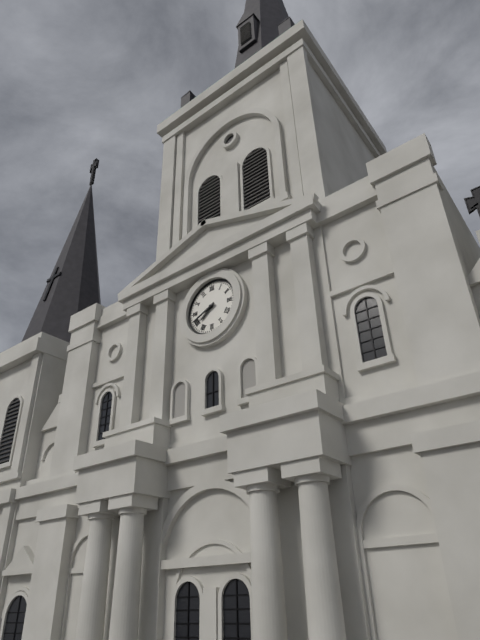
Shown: h=7 m=41
